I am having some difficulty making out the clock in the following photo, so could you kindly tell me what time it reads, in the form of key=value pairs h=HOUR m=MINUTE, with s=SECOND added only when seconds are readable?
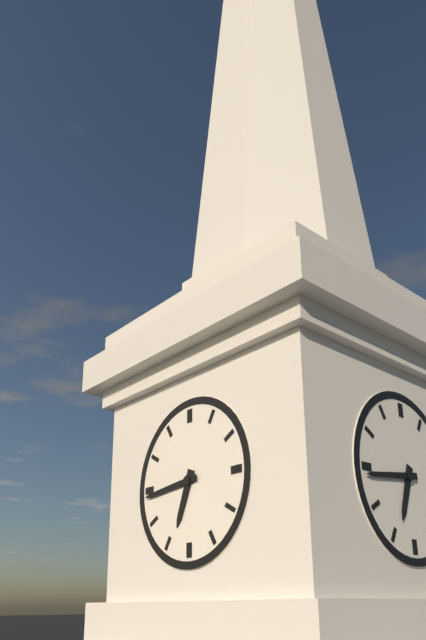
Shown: h=6 m=44
